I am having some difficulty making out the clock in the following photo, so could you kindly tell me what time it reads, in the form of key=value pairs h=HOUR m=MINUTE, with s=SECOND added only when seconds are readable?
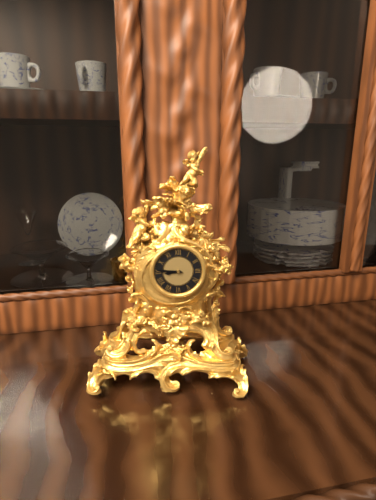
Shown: h=8 m=46
